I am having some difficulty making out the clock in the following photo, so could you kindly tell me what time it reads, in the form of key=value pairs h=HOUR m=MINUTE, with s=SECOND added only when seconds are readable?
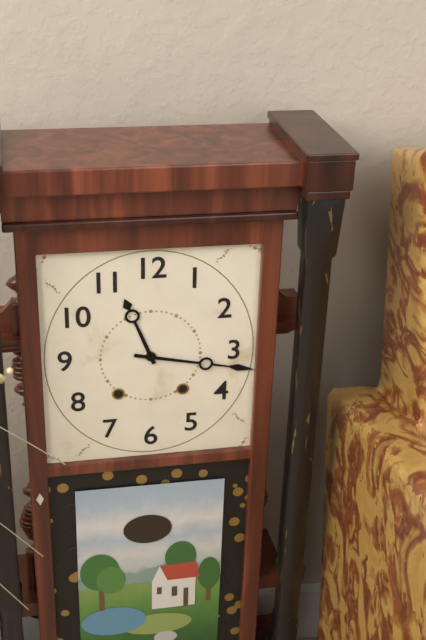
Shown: h=11 m=17
